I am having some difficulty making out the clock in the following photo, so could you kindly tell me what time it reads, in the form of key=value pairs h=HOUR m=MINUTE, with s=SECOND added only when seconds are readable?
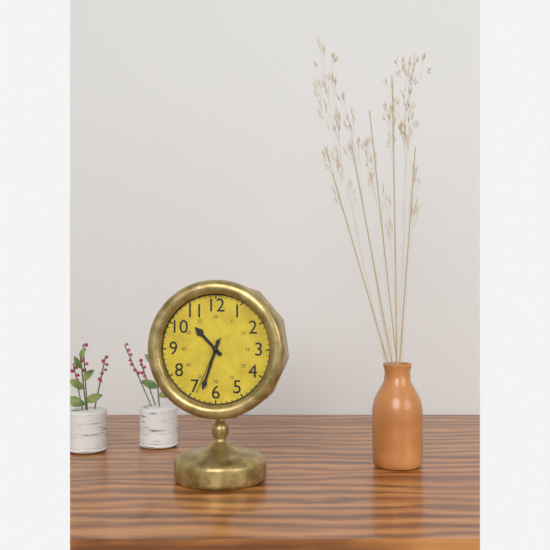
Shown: h=10 m=33 s=34
